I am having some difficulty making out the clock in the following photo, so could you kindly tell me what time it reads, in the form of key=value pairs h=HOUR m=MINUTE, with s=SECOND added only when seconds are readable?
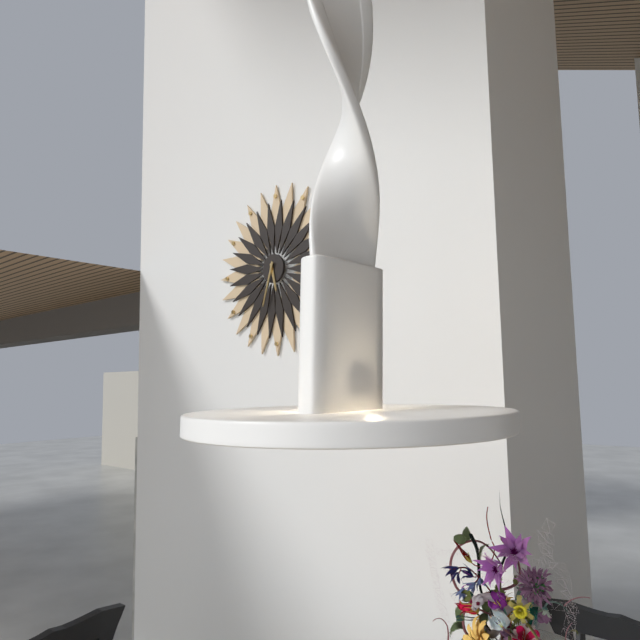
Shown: h=5 m=33
